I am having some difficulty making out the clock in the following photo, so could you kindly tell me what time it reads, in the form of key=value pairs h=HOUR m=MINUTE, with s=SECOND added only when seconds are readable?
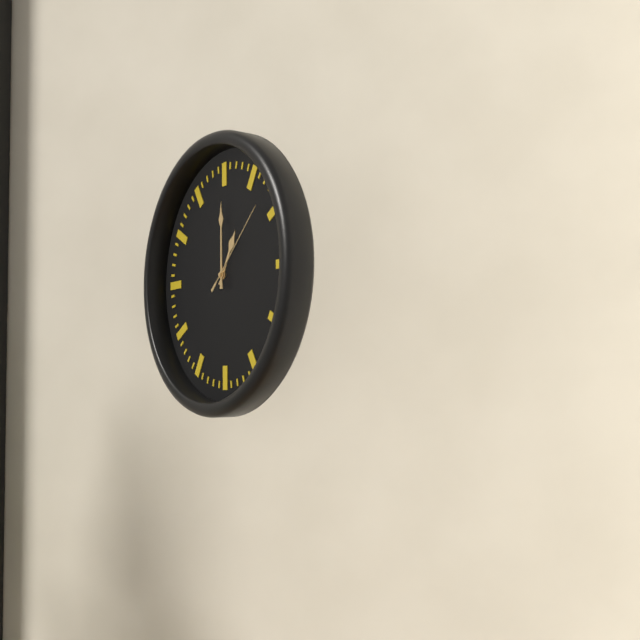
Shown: h=1 m=0 s=8
